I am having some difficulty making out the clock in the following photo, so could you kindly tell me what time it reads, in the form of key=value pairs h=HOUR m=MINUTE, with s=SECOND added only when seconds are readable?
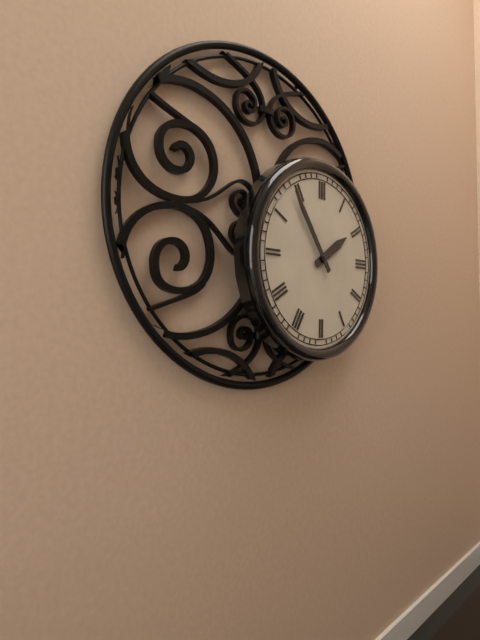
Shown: h=1 m=54
